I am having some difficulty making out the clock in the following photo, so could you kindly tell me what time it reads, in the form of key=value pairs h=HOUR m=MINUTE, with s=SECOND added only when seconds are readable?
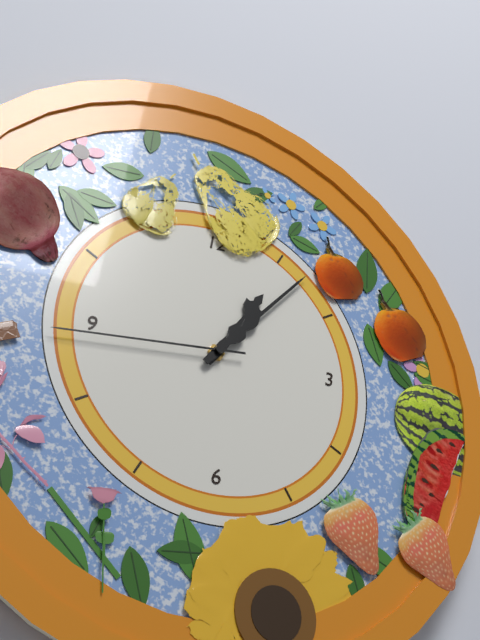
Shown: h=1 m=7 s=44
